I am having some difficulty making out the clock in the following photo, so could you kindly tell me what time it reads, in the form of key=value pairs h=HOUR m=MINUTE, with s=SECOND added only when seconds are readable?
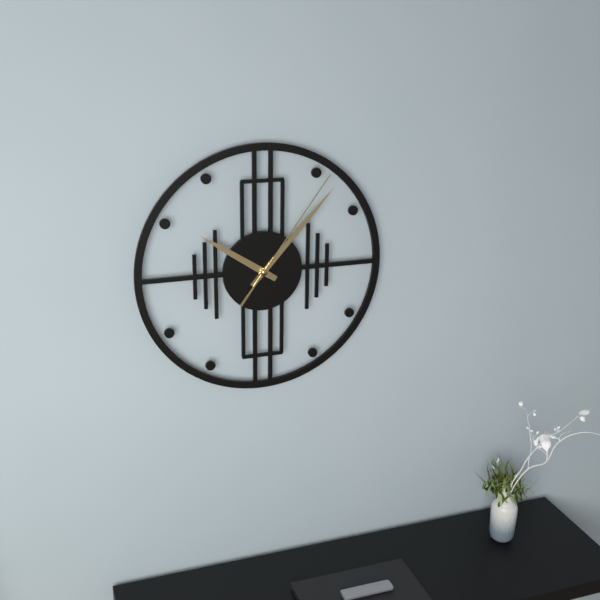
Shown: h=10 m=7 s=6
